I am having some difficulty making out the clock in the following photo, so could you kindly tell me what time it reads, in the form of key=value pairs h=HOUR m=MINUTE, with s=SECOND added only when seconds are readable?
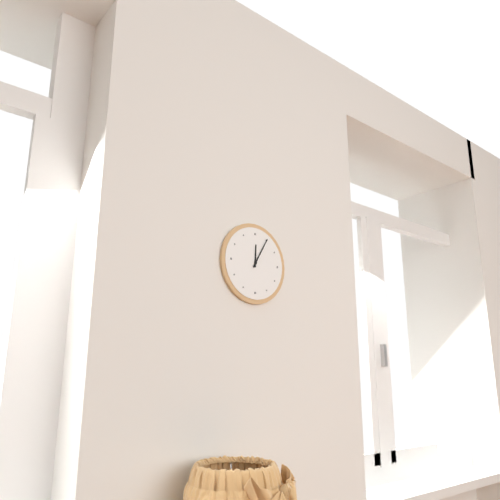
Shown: h=12 m=5
